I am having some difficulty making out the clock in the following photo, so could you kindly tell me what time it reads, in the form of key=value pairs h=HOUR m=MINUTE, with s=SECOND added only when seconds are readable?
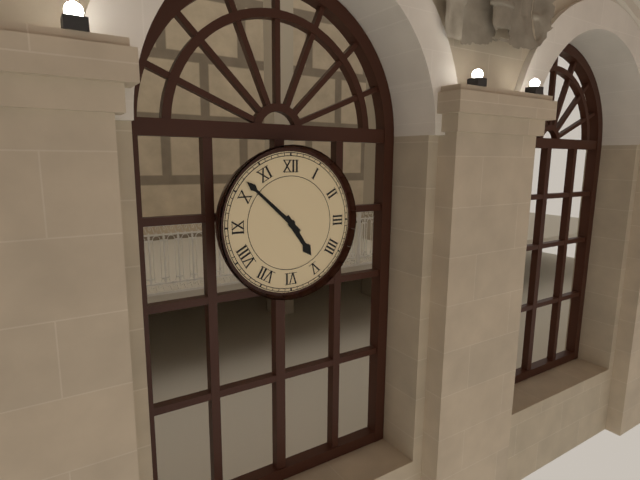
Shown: h=4 m=52
